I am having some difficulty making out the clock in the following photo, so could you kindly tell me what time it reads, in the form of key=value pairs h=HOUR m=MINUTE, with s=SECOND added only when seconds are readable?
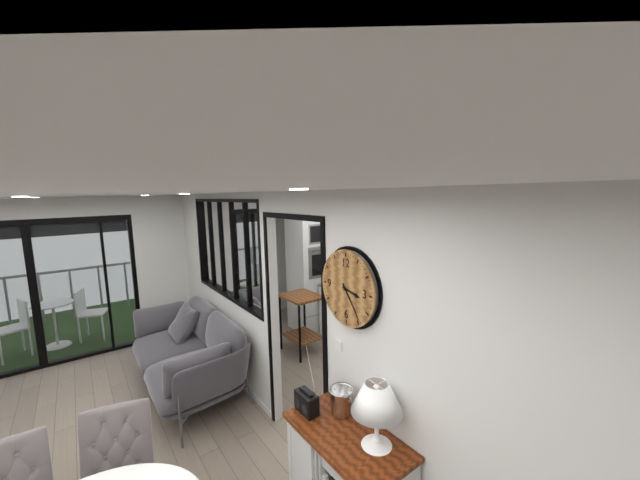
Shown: h=3 m=24
